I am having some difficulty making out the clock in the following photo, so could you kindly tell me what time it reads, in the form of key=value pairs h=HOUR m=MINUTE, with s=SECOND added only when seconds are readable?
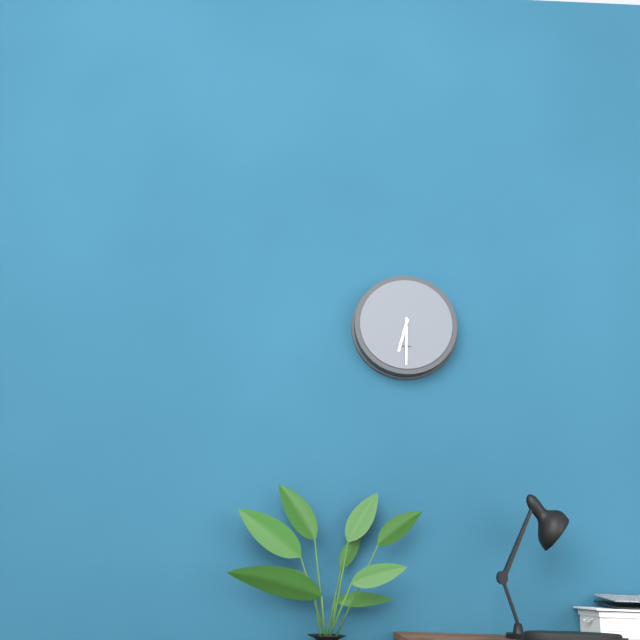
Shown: h=6 m=30
